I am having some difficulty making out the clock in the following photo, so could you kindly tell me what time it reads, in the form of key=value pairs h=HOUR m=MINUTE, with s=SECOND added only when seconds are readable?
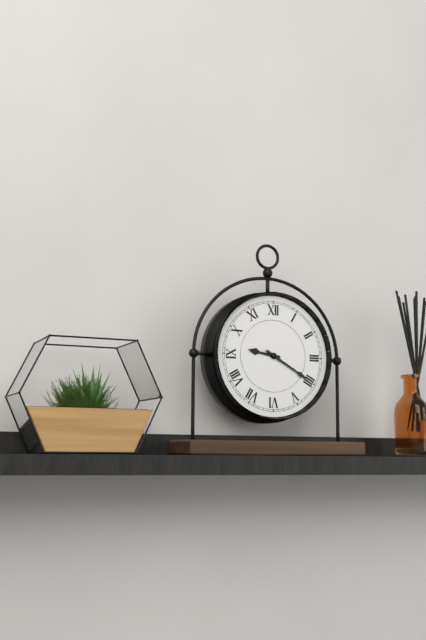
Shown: h=9 m=20
